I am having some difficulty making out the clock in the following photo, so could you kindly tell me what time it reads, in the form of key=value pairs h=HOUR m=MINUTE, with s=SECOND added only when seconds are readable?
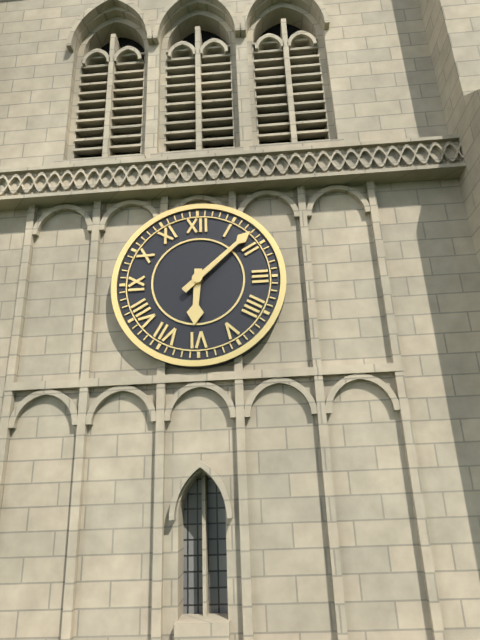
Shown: h=6 m=8
